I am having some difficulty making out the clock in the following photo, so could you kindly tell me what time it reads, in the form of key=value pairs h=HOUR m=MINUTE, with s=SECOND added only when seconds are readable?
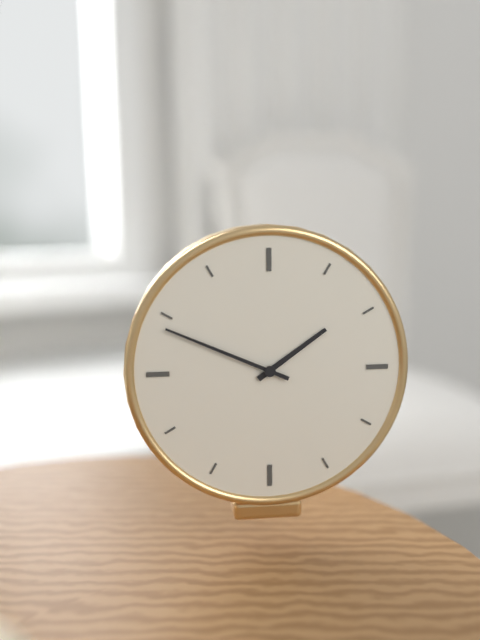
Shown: h=1 m=49
